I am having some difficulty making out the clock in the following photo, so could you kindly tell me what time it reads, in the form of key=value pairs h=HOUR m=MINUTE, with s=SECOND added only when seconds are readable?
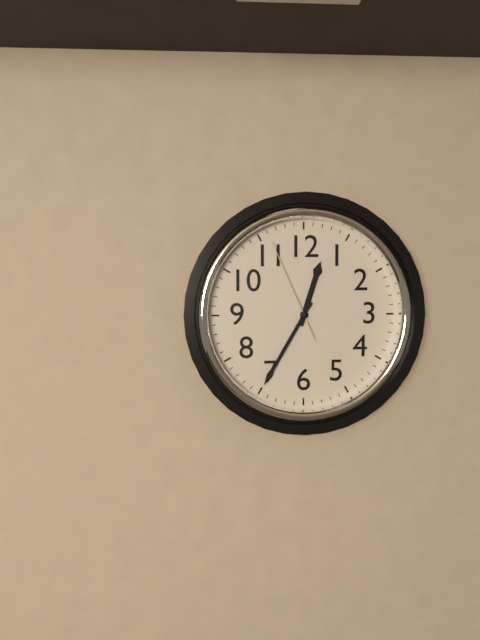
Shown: h=12 m=35 s=56
